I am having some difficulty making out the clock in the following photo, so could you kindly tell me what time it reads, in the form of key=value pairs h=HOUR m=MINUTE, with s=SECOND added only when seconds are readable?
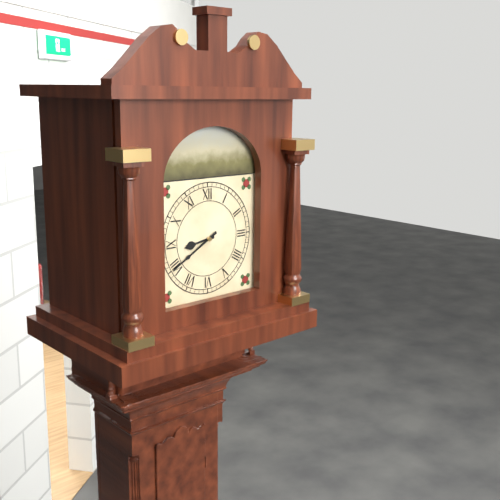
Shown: h=8 m=40
